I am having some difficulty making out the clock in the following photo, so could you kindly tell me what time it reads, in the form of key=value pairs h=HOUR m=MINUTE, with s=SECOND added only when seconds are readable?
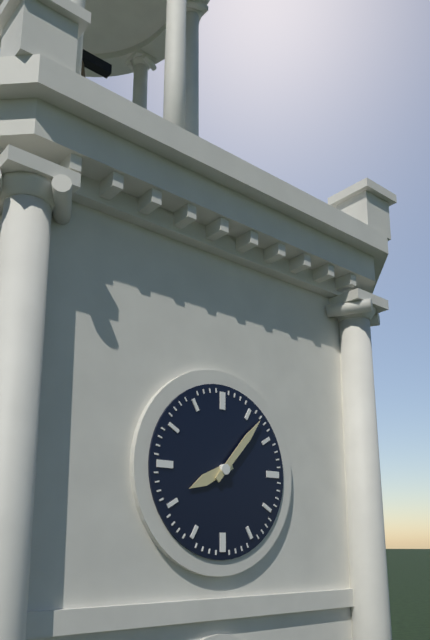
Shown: h=8 m=7
